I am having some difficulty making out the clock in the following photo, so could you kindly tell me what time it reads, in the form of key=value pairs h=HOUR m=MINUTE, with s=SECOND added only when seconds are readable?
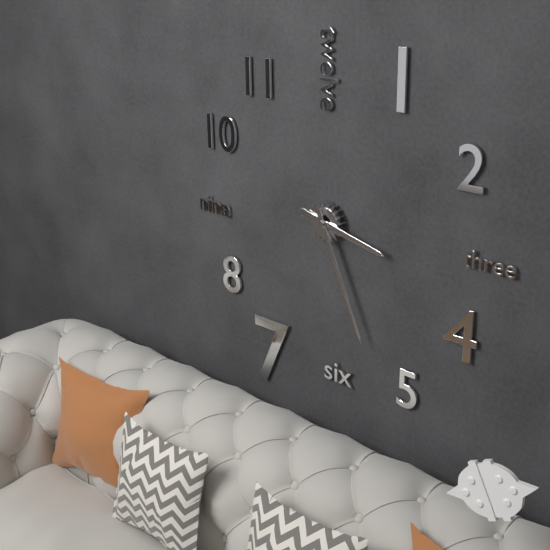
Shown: h=3 m=26
